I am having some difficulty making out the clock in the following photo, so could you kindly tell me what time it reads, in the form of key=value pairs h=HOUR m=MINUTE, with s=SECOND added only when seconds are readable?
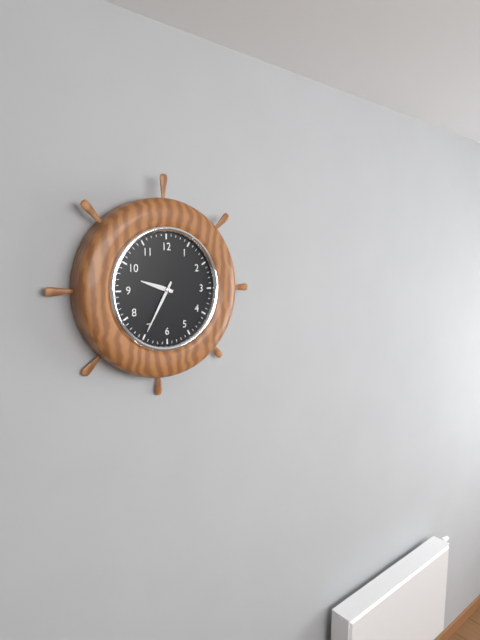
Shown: h=9 m=35
